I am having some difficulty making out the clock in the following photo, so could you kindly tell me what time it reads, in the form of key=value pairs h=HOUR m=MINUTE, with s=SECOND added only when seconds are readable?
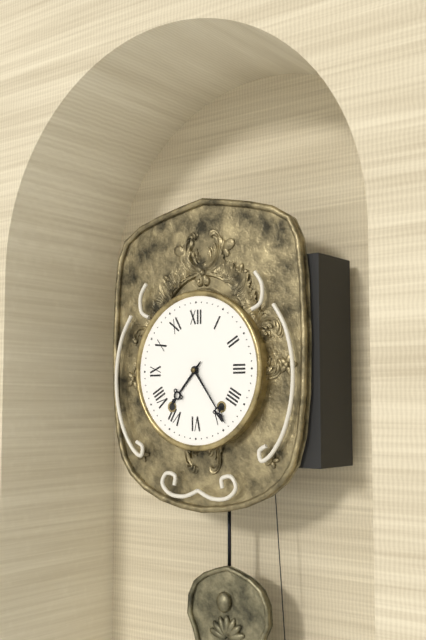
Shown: h=7 m=24
